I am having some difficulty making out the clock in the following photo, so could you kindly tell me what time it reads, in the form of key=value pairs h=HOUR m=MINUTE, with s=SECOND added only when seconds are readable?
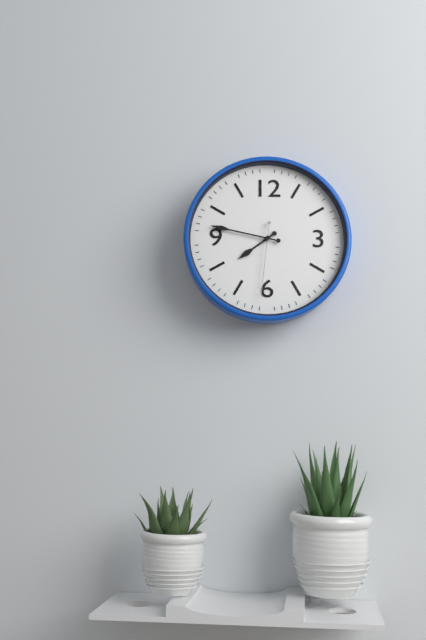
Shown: h=7 m=47 s=31
